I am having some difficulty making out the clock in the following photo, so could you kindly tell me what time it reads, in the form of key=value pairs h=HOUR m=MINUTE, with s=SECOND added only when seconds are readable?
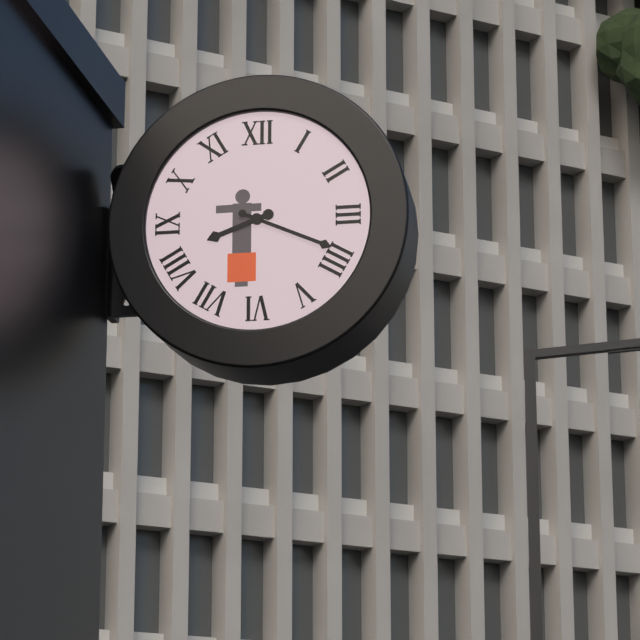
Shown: h=8 m=19
